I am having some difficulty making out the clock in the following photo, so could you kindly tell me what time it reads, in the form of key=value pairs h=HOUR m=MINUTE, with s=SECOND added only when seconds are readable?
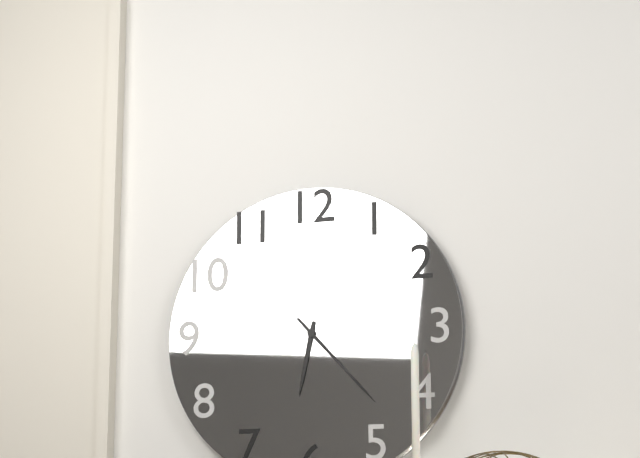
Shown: h=6 m=23
